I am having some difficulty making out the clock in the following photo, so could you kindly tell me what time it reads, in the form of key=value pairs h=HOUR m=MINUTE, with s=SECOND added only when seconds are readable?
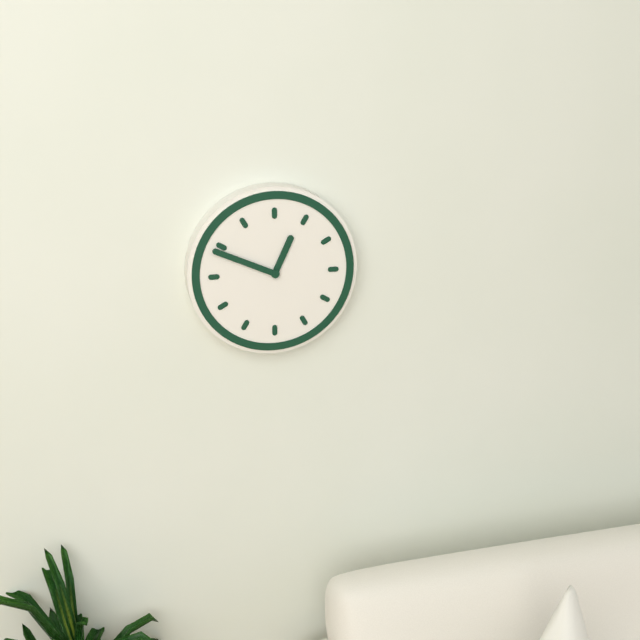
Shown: h=12 m=49
